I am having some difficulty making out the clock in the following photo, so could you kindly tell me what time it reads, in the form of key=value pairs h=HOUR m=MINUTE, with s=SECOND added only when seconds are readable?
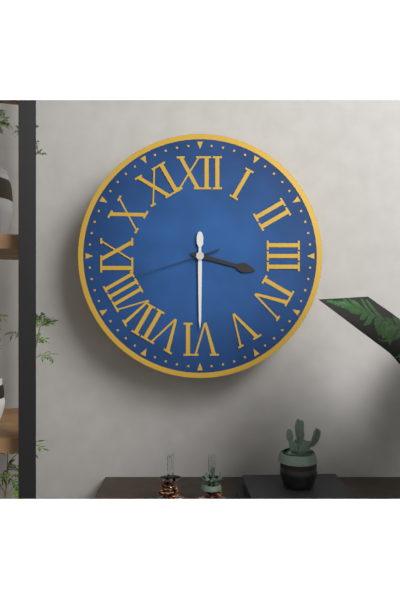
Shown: h=3 m=30 s=42
